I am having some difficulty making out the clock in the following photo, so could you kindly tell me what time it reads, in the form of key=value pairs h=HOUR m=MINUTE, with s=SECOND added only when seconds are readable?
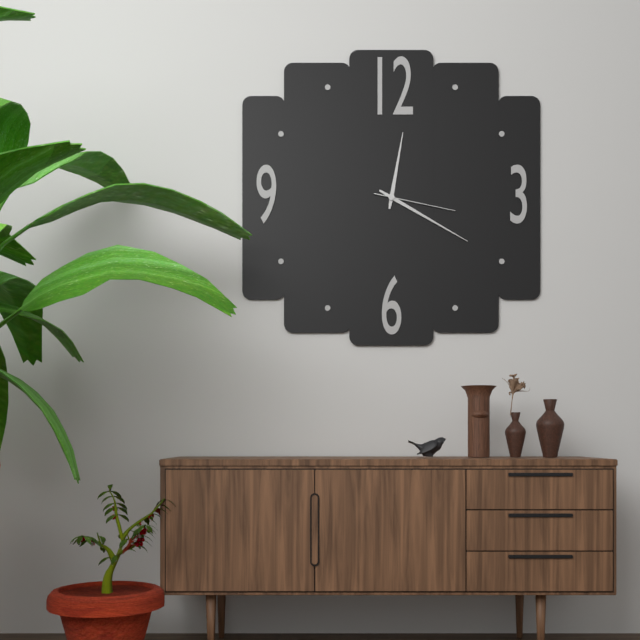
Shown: h=12 m=20 s=17
